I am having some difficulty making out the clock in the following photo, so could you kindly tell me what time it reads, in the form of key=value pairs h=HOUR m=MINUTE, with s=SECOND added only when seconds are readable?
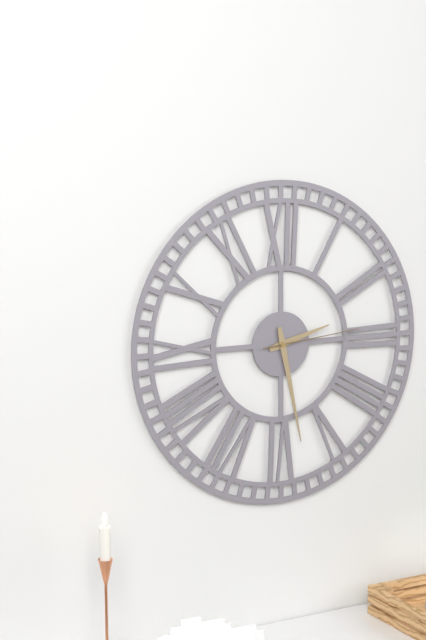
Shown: h=2 m=28 s=14
